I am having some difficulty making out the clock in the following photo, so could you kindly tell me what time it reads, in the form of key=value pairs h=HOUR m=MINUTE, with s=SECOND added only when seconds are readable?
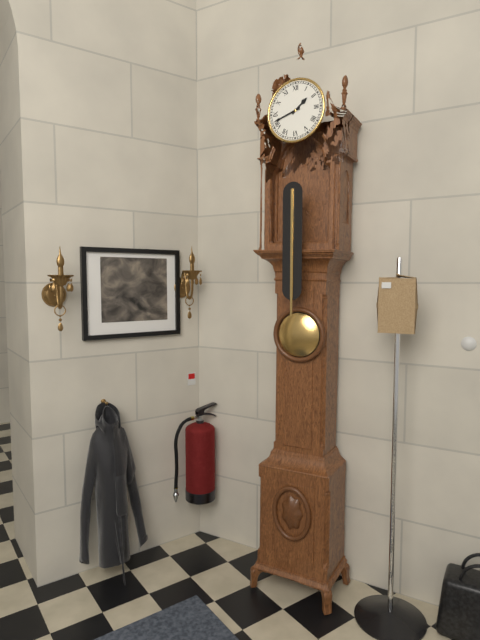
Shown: h=1 m=42
